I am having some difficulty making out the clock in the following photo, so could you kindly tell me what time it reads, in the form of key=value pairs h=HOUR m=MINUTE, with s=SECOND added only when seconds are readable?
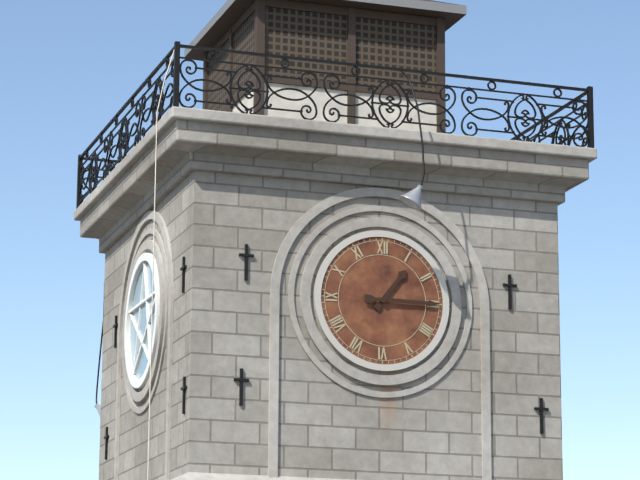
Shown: h=1 m=15
